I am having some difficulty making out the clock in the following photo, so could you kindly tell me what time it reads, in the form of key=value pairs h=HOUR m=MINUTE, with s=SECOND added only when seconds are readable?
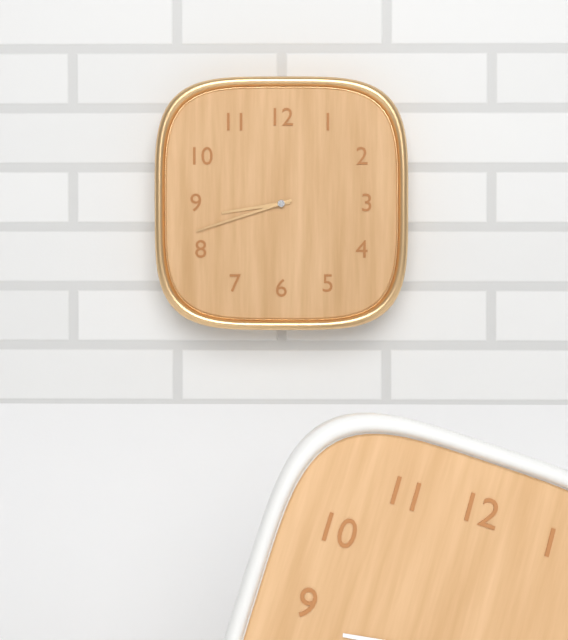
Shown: h=8 m=42
